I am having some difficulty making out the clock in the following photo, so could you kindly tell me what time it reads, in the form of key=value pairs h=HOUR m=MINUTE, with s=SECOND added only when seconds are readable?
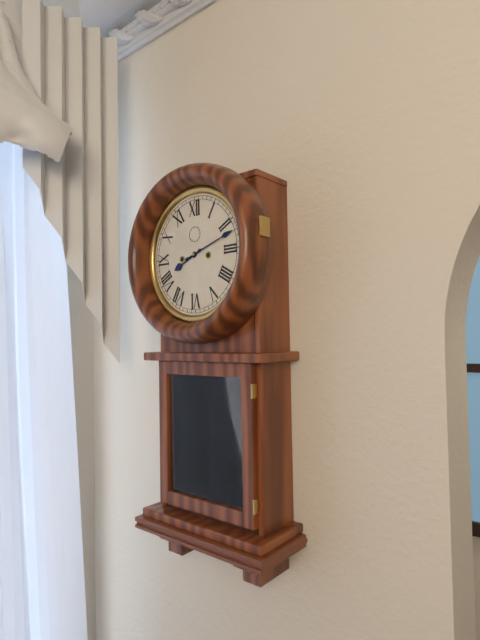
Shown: h=8 m=12
